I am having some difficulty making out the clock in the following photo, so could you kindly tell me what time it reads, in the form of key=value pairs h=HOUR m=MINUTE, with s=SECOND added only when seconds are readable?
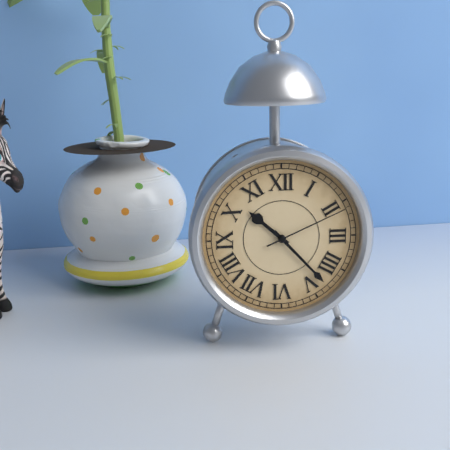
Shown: h=10 m=23 s=11
